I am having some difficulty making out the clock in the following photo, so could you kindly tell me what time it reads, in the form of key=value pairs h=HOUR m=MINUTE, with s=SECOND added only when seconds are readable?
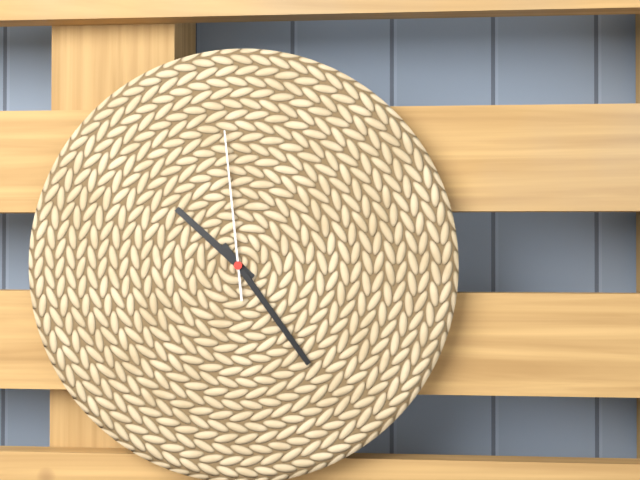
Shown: h=10 m=24 s=59
